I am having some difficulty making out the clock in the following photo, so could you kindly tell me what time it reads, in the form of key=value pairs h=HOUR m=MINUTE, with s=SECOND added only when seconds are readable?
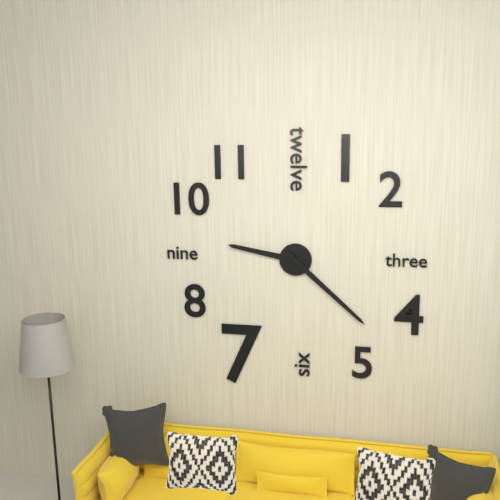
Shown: h=9 m=22
